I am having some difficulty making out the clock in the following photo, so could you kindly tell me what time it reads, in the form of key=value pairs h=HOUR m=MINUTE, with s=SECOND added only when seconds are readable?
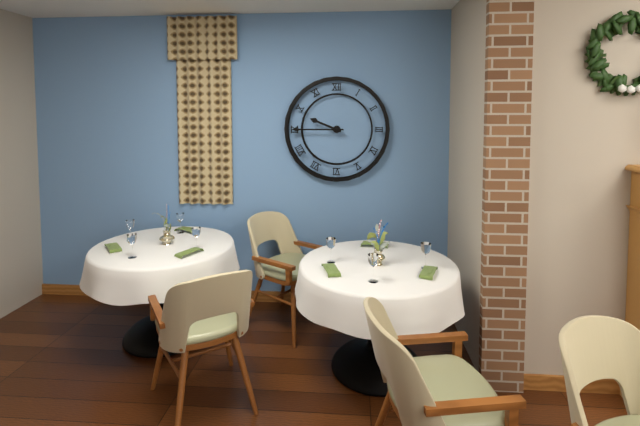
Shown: h=9 m=45
